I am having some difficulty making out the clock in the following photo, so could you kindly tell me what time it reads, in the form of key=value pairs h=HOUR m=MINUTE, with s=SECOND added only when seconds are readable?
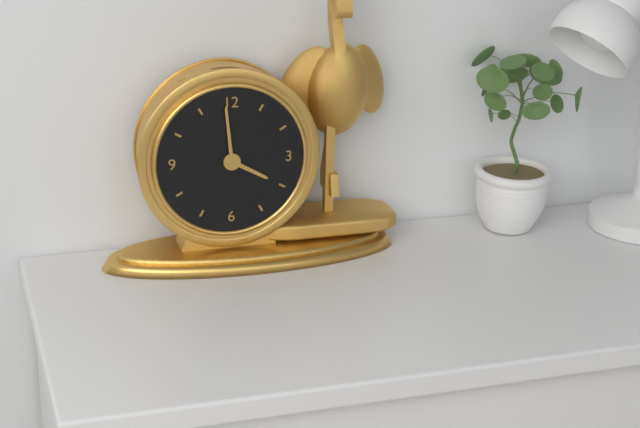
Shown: h=3 m=59
